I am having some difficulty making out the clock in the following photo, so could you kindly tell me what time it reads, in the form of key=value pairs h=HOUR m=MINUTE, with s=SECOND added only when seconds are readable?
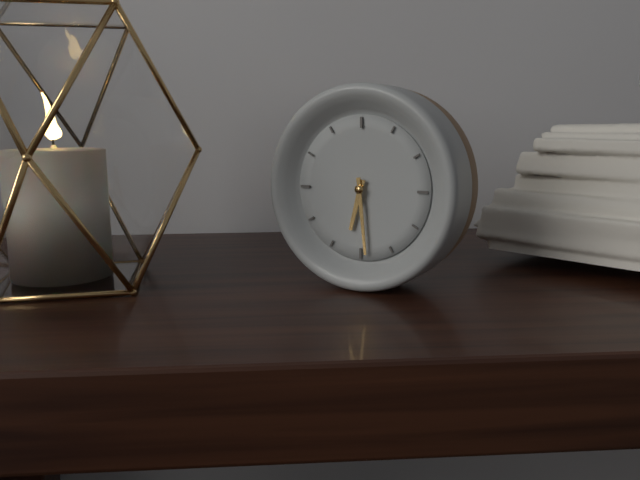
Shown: h=6 m=29
